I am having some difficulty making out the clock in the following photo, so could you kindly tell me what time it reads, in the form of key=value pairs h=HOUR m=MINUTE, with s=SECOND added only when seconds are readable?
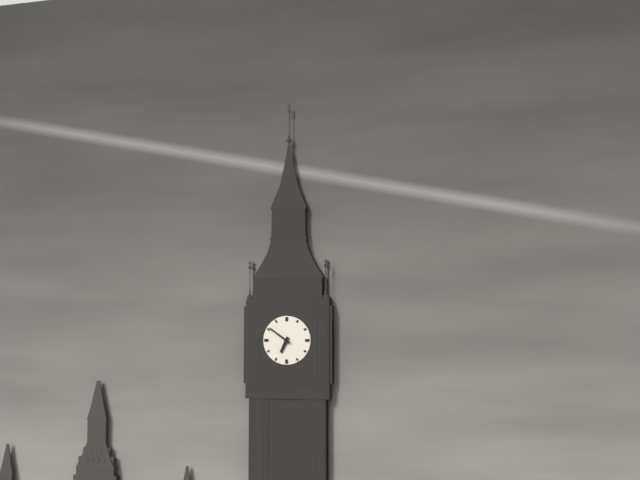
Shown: h=6 m=51
